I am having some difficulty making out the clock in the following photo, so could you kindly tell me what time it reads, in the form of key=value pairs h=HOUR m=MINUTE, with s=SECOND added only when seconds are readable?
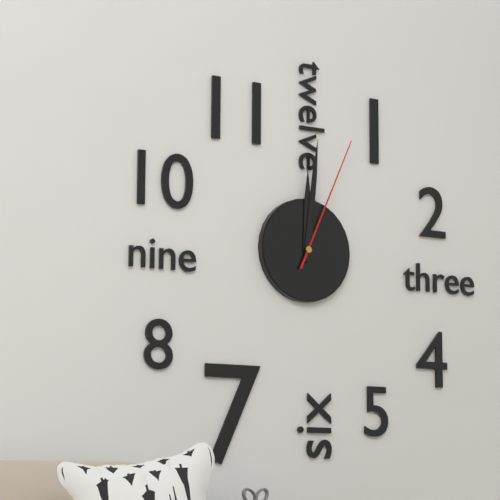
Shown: h=12 m=1 s=4
